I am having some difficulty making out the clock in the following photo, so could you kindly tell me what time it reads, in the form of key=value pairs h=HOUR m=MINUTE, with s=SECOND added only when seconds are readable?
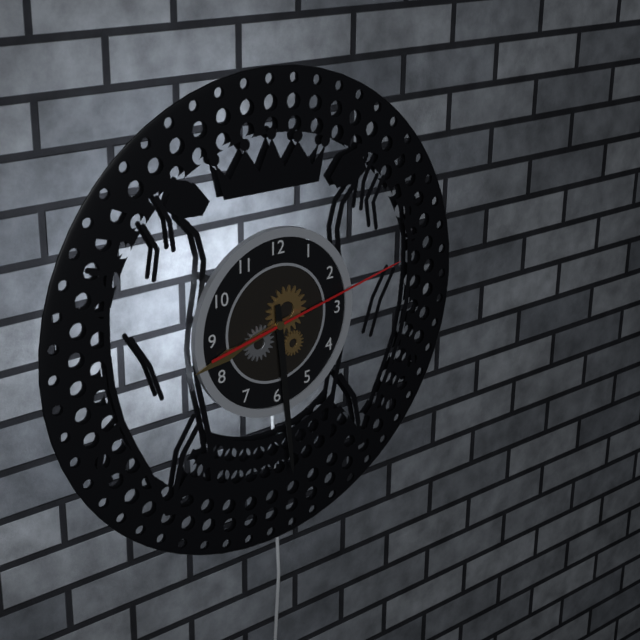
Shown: h=8 m=29 s=13
